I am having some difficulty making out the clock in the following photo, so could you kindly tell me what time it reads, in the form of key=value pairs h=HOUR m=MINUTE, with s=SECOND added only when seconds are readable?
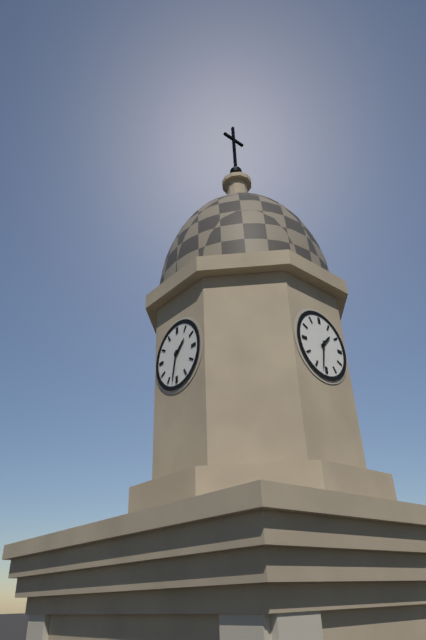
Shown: h=1 m=32
